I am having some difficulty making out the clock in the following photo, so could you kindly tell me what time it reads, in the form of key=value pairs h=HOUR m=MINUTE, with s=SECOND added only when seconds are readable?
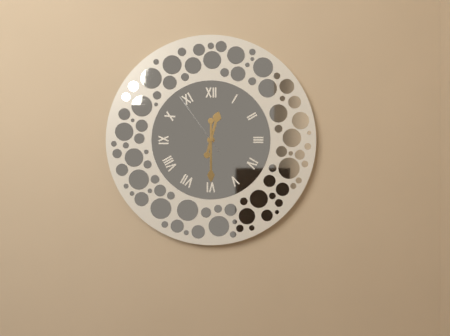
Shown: h=12 m=30 s=54
